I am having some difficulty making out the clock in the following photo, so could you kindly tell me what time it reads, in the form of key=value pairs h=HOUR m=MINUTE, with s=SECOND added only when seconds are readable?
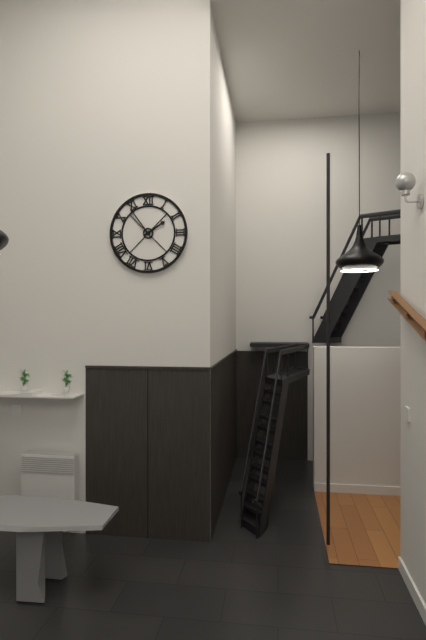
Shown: h=1 m=54
